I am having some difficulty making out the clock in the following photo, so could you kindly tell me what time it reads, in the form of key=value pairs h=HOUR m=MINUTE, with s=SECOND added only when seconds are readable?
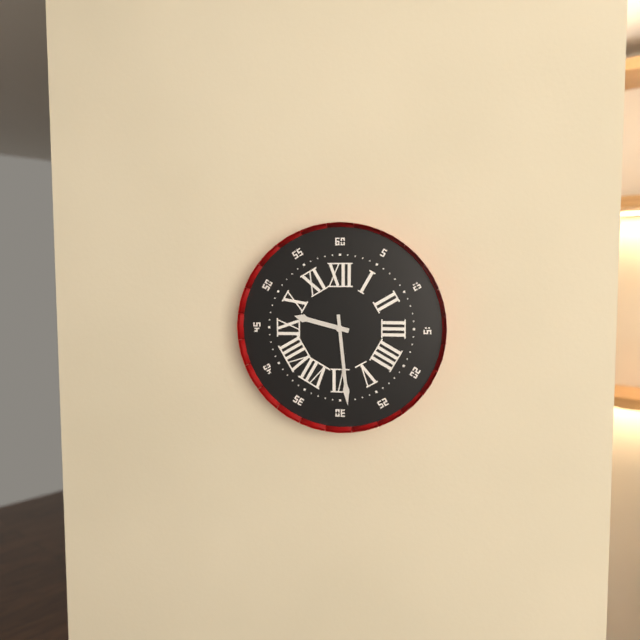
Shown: h=9 m=29
